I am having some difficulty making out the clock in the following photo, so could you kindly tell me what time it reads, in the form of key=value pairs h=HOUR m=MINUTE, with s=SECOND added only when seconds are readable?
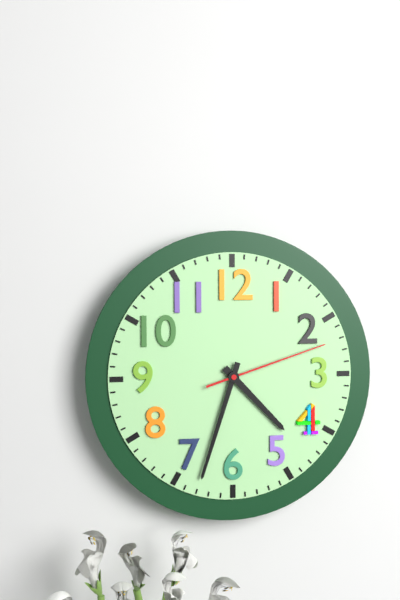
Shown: h=4 m=33 s=12
